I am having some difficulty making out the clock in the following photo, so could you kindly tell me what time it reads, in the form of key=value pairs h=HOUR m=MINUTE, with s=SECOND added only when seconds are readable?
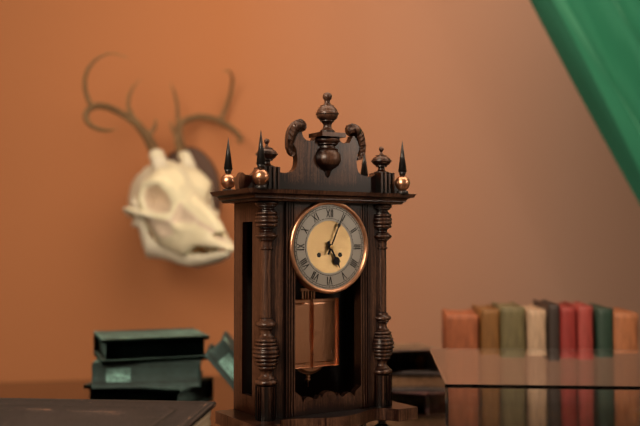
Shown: h=5 m=4
